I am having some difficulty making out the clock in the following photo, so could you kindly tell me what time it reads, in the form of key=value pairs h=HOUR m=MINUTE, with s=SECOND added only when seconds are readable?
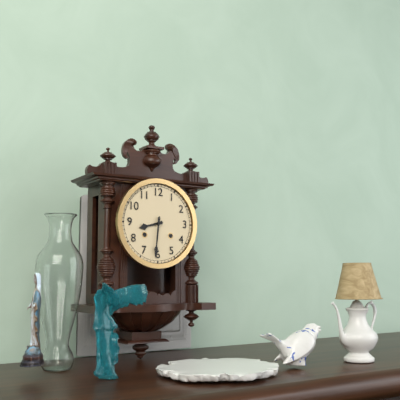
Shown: h=8 m=31
